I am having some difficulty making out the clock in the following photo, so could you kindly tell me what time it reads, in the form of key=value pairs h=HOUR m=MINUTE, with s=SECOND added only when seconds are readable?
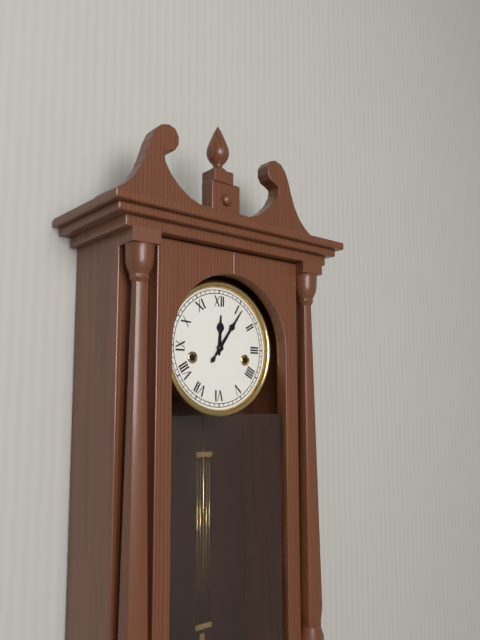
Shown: h=12 m=6
